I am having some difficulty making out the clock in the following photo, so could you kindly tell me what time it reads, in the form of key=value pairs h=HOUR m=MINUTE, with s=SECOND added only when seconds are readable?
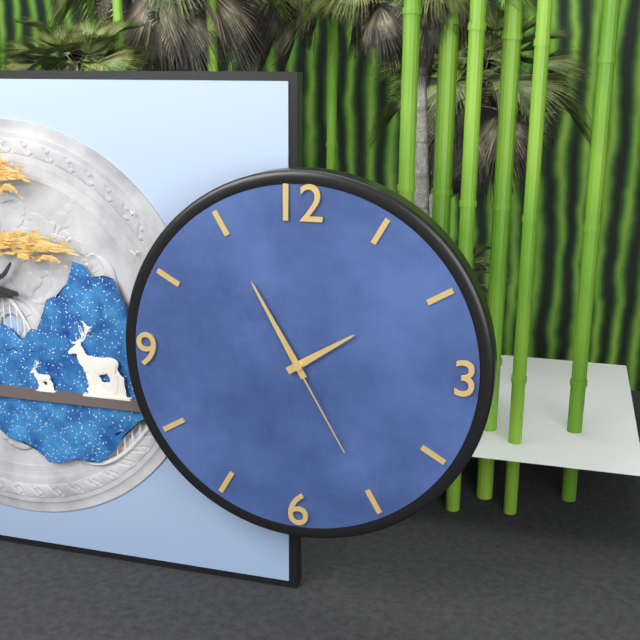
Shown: h=1 m=55 s=25
